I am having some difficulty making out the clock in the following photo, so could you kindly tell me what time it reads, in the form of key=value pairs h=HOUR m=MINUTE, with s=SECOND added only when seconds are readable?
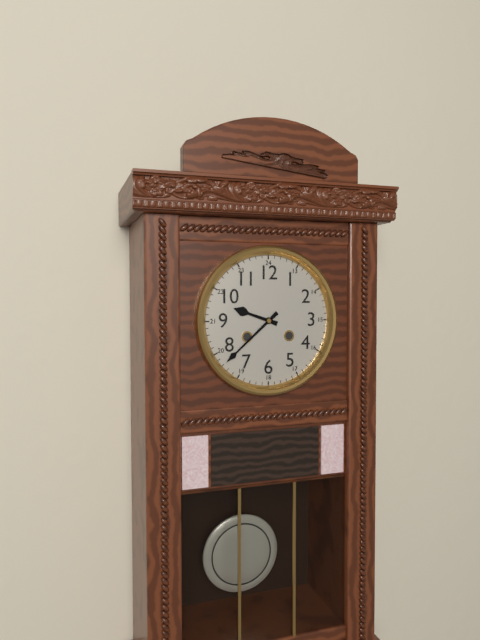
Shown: h=9 m=38
